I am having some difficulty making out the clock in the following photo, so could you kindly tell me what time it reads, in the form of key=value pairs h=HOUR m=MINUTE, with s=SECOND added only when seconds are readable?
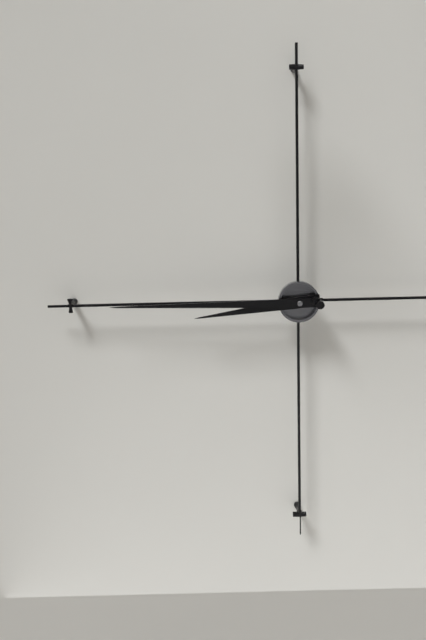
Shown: h=8 m=45
